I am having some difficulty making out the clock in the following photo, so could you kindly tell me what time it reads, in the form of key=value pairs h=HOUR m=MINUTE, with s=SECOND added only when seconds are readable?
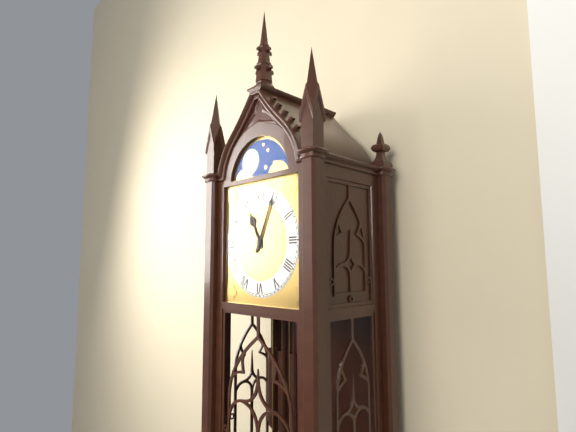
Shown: h=11 m=4
